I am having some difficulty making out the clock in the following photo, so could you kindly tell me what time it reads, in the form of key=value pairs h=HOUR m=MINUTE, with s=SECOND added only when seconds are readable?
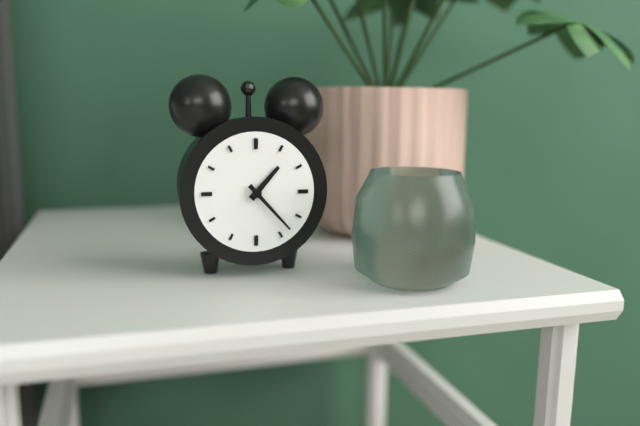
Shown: h=1 m=23
